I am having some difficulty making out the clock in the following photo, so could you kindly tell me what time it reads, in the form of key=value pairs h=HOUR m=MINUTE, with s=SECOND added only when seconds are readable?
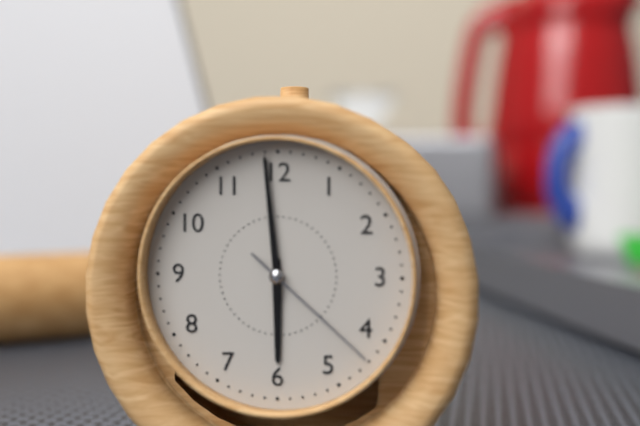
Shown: h=5 m=59 s=22
